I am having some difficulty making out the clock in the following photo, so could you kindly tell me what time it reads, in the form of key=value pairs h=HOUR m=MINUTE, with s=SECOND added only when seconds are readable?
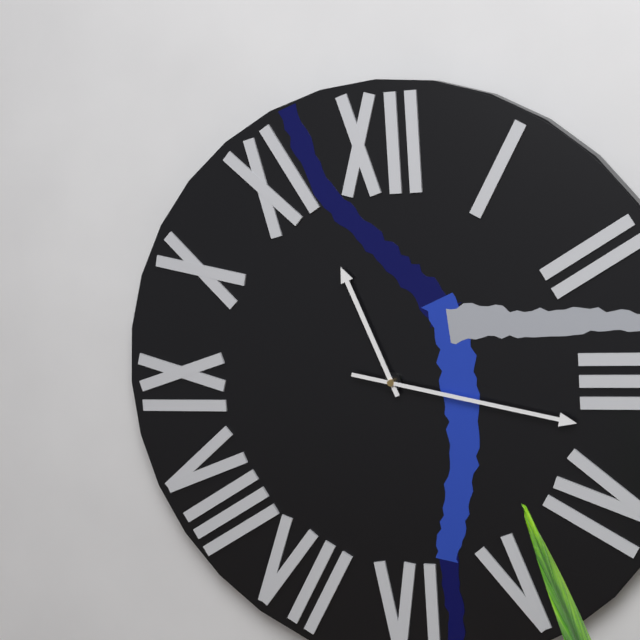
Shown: h=11 m=17
